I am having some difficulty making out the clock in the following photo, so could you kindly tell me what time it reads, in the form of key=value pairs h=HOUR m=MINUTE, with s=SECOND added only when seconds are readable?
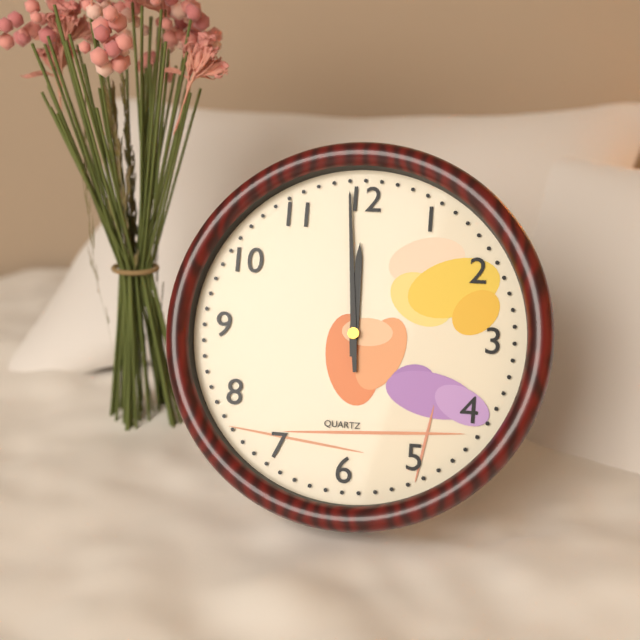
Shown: h=11 m=59
